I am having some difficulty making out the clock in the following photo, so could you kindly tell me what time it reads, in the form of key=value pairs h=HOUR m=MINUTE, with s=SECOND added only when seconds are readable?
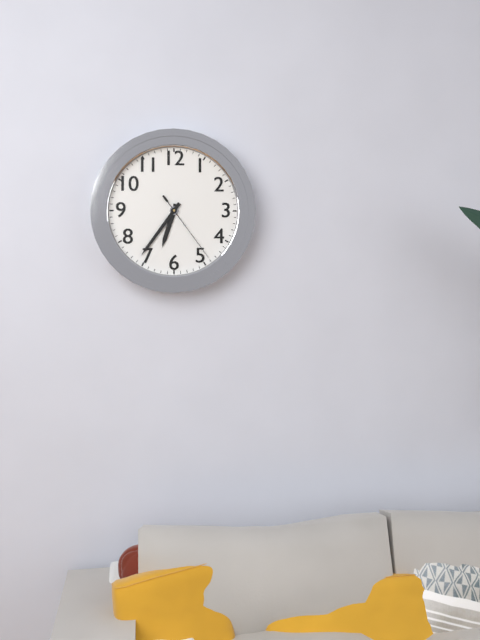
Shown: h=6 m=36 s=24
